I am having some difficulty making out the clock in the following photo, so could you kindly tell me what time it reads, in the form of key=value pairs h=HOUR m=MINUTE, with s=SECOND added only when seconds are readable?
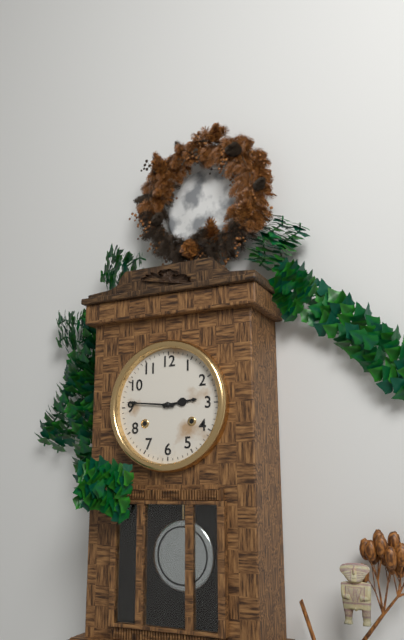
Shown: h=2 m=46
